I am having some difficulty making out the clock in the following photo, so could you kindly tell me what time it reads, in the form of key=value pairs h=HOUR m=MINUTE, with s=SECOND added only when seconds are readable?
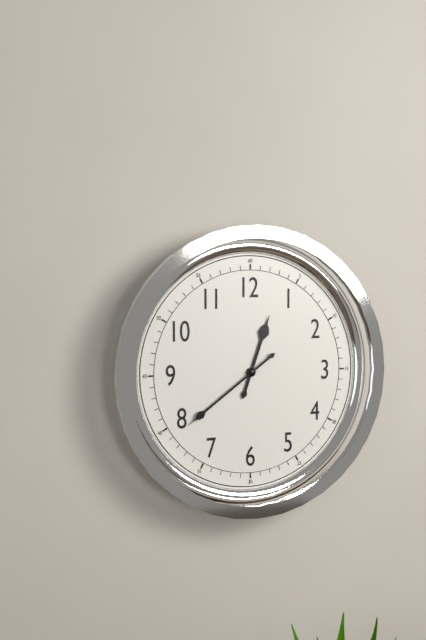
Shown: h=12 m=39
